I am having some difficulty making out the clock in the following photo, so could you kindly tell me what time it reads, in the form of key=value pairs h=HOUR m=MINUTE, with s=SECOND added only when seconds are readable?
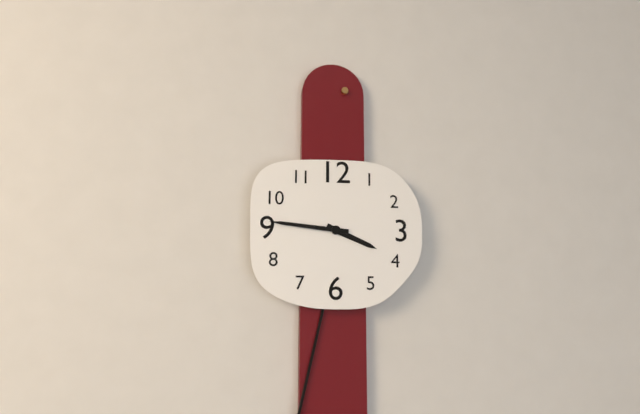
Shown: h=3 m=46
